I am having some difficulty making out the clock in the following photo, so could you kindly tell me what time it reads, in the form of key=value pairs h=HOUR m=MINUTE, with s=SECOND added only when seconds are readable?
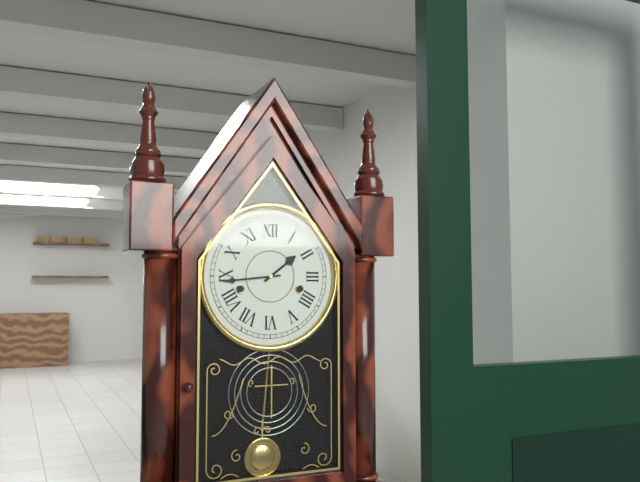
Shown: h=1 m=44
